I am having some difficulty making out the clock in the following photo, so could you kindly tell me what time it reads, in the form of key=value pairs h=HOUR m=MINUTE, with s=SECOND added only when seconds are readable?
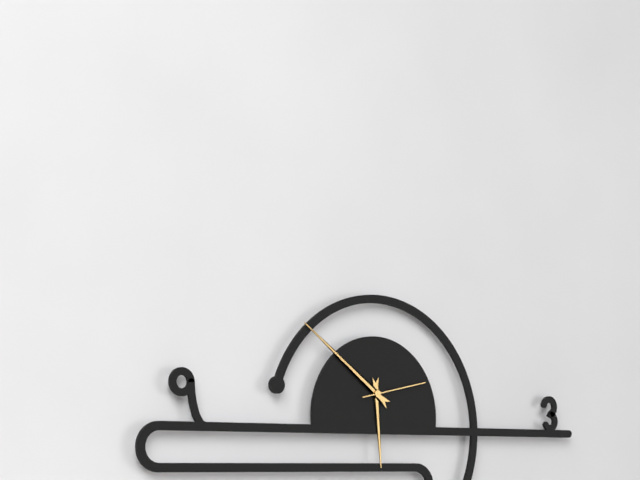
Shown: h=5 m=51 s=13
